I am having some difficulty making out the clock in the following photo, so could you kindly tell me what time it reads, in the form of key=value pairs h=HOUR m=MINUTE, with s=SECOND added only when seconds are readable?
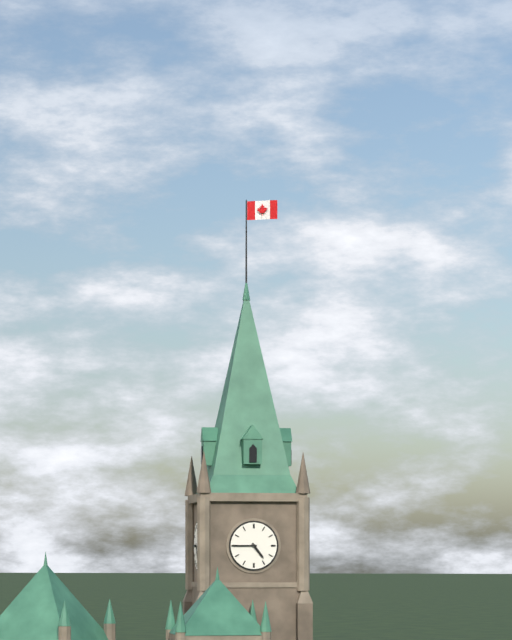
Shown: h=4 m=45
